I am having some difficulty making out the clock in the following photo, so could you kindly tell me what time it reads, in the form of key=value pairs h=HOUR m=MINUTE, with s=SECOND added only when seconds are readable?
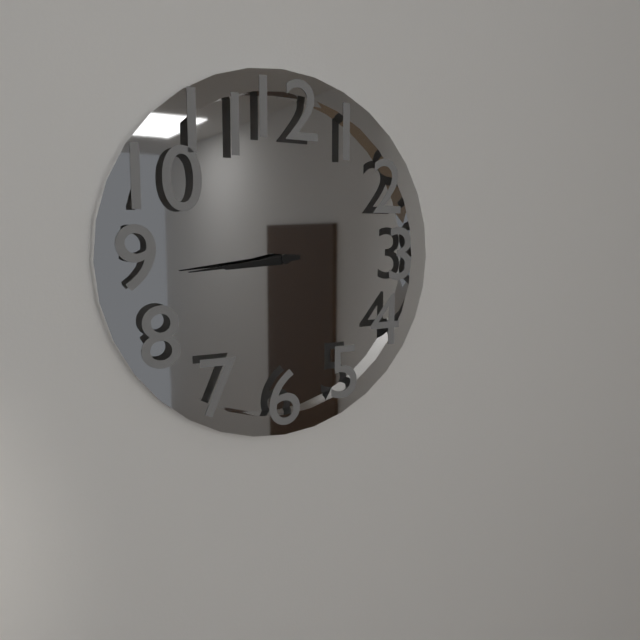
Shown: h=8 m=44
